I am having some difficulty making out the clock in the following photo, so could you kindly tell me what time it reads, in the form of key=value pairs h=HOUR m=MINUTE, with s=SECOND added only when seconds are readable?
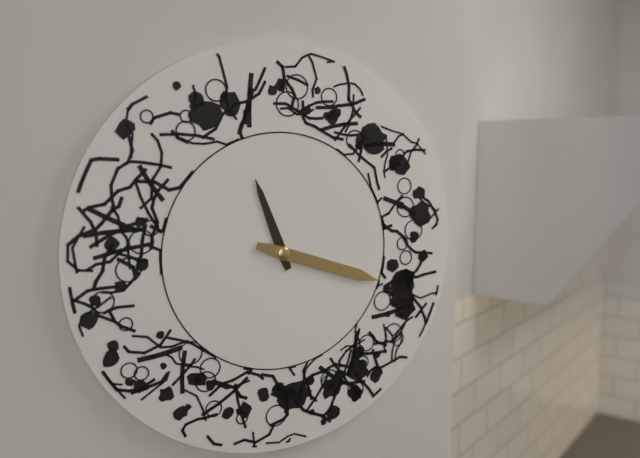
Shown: h=11 m=18
